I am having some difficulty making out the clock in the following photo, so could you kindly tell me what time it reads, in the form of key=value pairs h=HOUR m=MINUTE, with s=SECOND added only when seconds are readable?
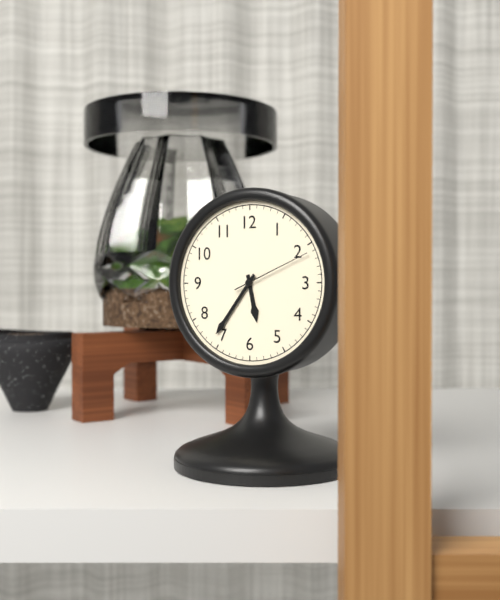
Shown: h=5 m=36 s=11
